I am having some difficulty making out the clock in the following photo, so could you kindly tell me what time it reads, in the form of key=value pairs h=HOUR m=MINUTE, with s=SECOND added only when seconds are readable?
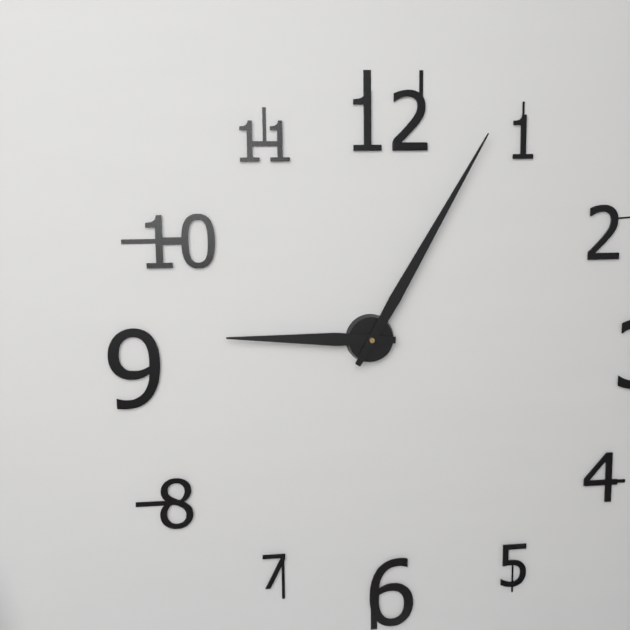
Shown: h=9 m=5
